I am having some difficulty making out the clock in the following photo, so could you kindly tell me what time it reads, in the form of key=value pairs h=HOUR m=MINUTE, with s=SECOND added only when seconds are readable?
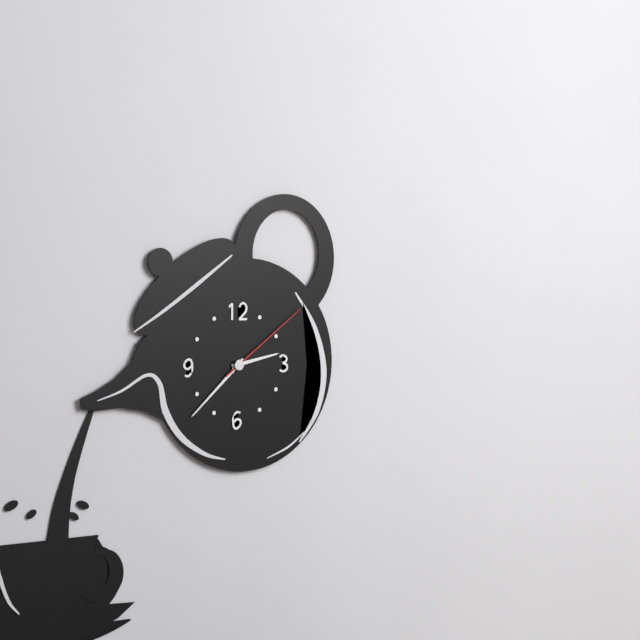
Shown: h=2 m=38 s=9
